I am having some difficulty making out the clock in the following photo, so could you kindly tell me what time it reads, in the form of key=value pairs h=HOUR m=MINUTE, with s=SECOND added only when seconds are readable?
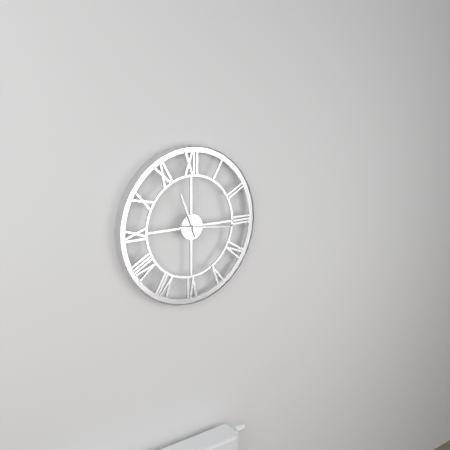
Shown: h=11 m=16
